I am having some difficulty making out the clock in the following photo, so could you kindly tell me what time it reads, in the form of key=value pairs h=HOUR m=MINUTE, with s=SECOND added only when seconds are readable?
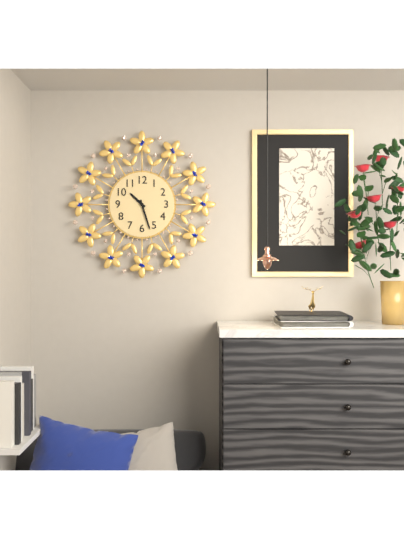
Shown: h=10 m=27
